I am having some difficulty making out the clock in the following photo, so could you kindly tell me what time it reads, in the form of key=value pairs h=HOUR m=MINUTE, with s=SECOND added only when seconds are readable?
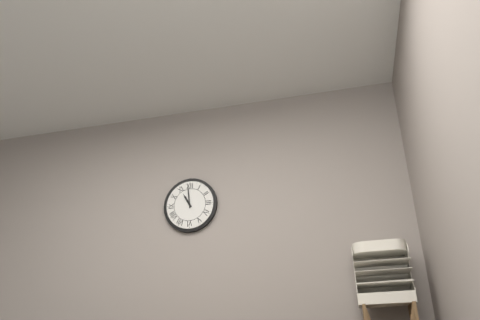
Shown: h=10 m=59
